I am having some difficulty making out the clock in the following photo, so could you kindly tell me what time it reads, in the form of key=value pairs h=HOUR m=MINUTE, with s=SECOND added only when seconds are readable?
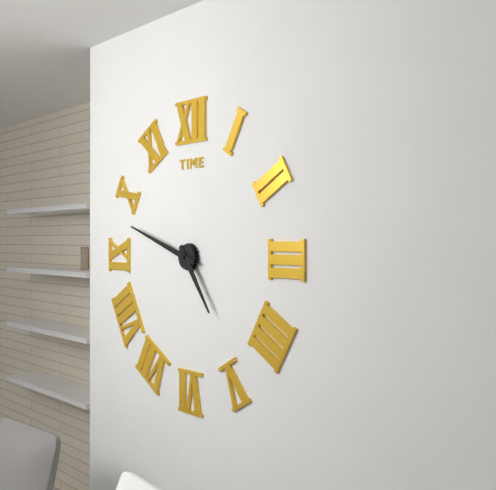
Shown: h=4 m=48
